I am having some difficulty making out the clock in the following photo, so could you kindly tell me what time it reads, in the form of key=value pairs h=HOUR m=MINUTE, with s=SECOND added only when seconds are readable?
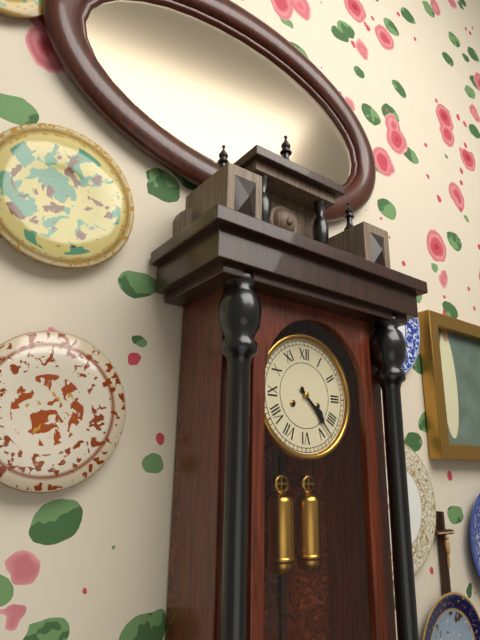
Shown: h=4 m=23
